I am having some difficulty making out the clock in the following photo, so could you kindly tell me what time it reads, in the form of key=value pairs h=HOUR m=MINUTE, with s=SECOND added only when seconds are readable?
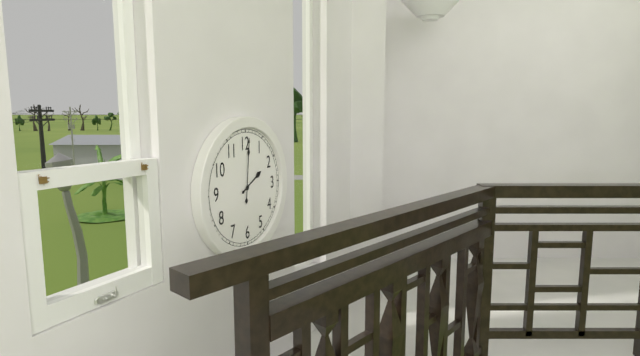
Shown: h=2 m=1
